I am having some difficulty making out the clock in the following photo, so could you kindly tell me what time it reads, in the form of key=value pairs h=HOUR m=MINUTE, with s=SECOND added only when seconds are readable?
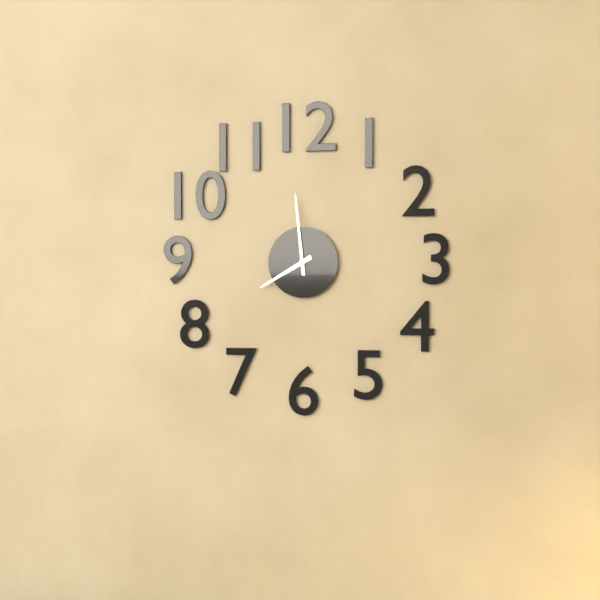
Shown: h=7 m=59
